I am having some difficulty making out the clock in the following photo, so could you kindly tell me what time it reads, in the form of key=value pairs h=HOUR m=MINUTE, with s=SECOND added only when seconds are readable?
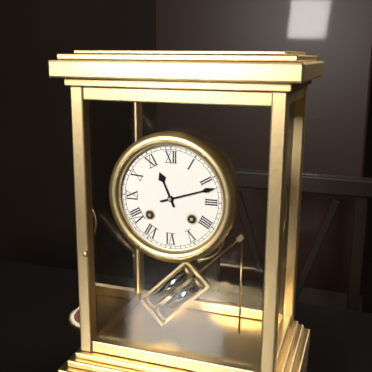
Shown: h=11 m=12
